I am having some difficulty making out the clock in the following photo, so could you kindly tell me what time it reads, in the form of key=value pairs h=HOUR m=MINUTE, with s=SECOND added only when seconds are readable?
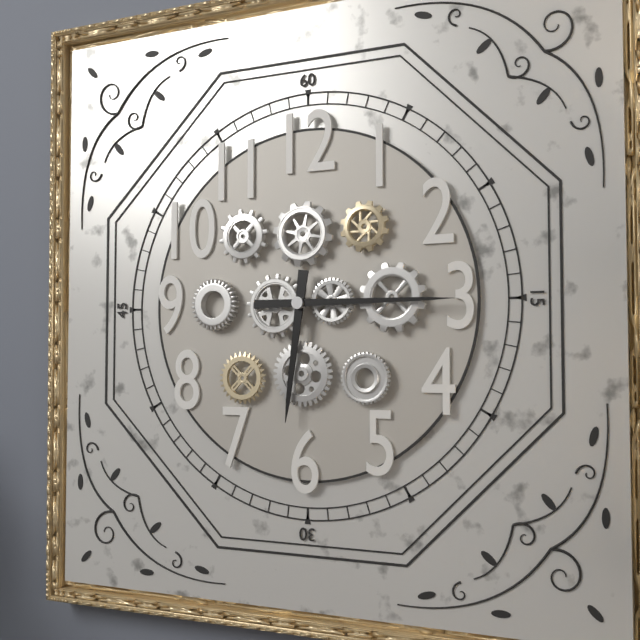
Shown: h=6 m=15
